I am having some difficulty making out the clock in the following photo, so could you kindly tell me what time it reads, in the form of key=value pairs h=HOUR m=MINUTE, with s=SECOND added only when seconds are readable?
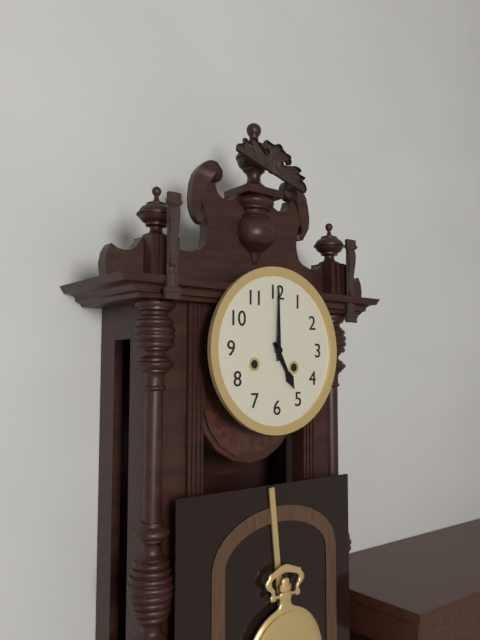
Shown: h=5 m=0
